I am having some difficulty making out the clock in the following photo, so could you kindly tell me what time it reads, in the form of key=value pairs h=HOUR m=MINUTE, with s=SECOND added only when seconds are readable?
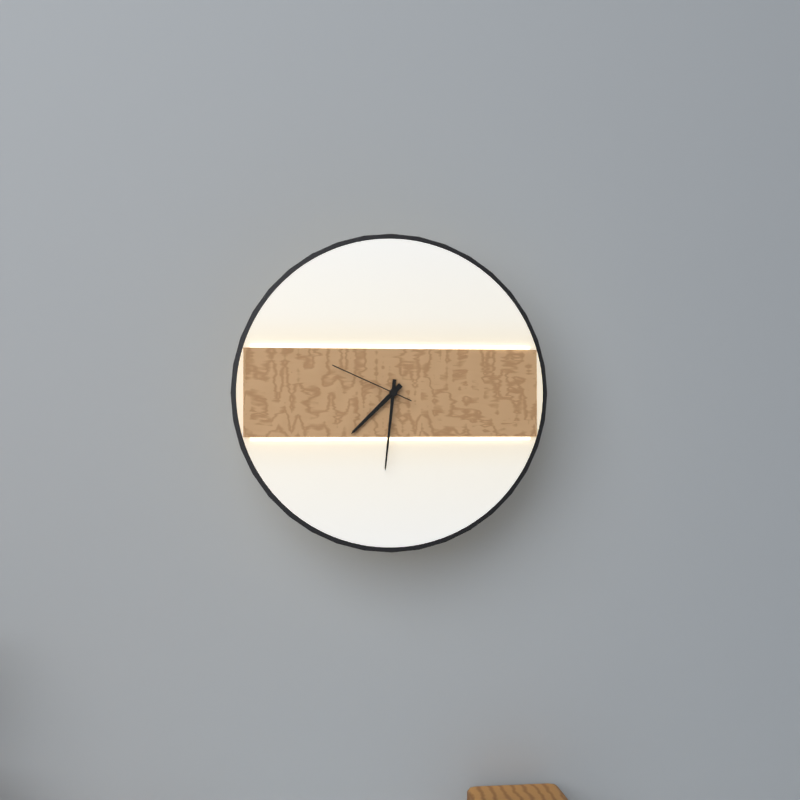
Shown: h=7 m=31 s=49
